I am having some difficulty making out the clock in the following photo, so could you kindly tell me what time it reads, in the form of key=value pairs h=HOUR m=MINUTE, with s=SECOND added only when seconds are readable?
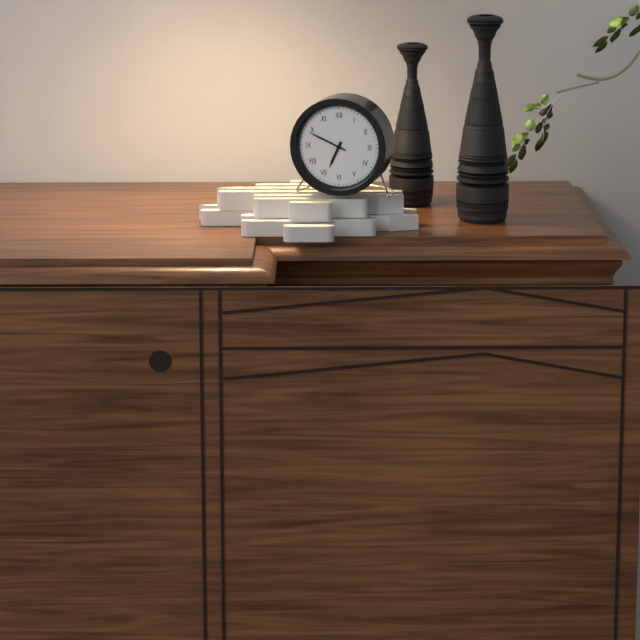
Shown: h=6 m=49
